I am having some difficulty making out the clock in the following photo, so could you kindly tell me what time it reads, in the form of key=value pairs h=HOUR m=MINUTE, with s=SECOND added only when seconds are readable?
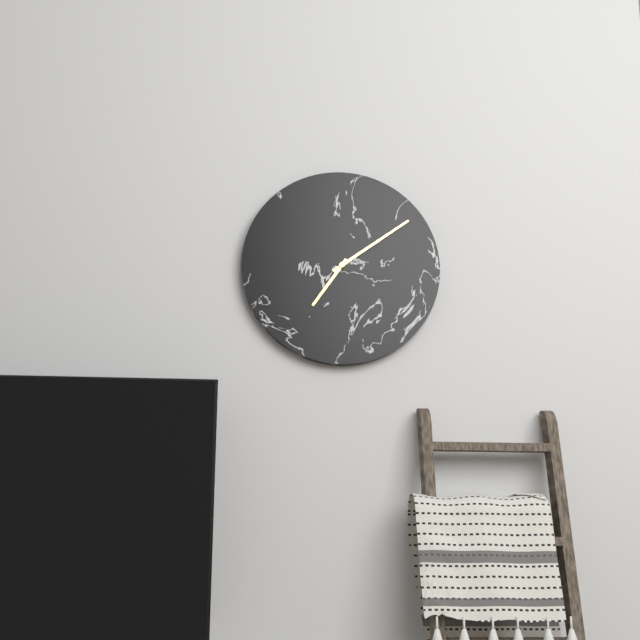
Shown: h=7 m=9
